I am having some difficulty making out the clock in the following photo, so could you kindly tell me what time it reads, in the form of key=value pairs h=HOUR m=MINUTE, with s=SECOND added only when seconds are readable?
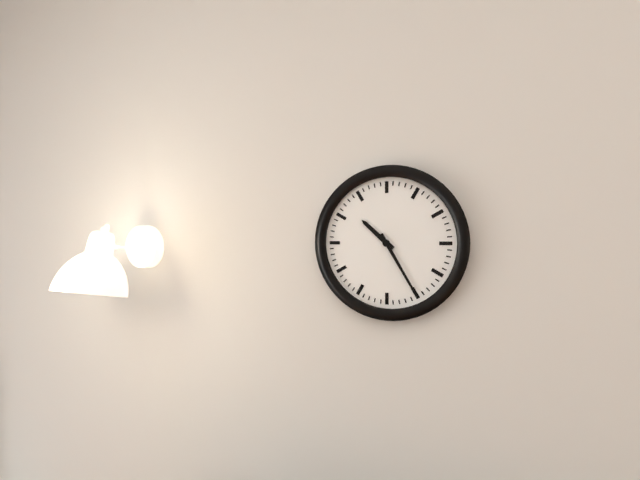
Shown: h=10 m=25
